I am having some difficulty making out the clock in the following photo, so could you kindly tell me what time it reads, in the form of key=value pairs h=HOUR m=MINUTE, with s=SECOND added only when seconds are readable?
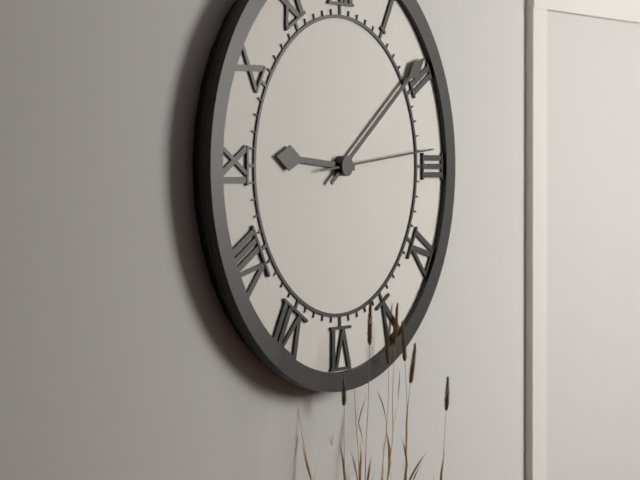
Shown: h=9 m=9 s=14
